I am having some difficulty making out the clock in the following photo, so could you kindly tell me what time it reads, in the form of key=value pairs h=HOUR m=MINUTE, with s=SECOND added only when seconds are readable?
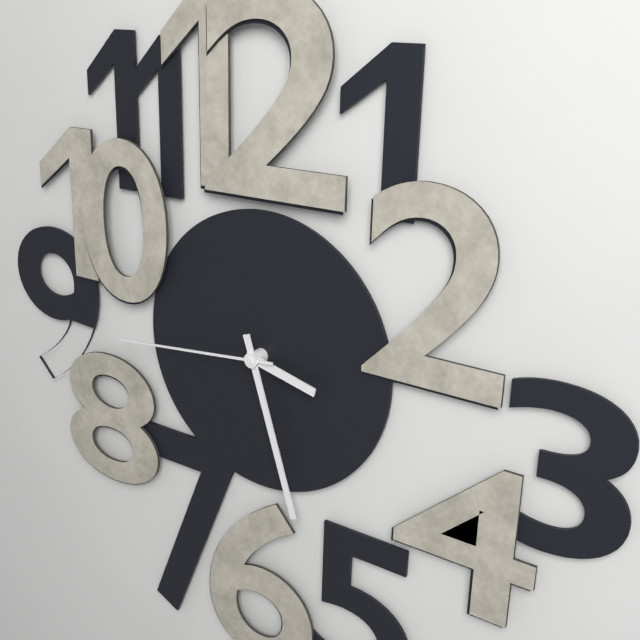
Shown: h=3 m=27 s=44
